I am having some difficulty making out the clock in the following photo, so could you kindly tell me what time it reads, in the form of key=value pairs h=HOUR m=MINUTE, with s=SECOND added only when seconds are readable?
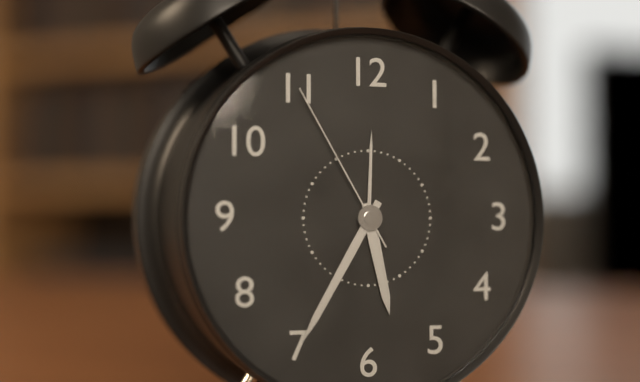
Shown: h=5 m=35 s=55
